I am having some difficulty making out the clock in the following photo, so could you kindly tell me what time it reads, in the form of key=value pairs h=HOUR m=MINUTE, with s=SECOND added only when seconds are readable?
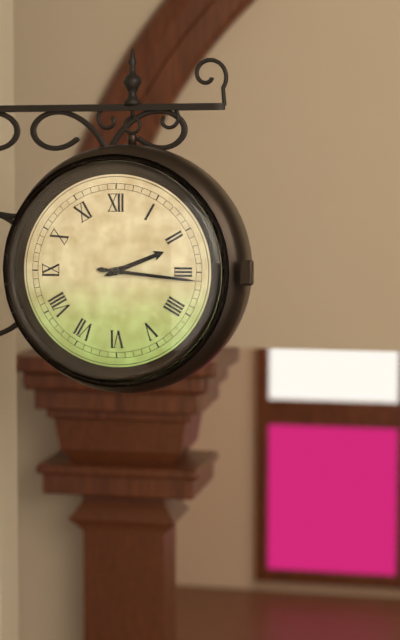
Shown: h=2 m=16
